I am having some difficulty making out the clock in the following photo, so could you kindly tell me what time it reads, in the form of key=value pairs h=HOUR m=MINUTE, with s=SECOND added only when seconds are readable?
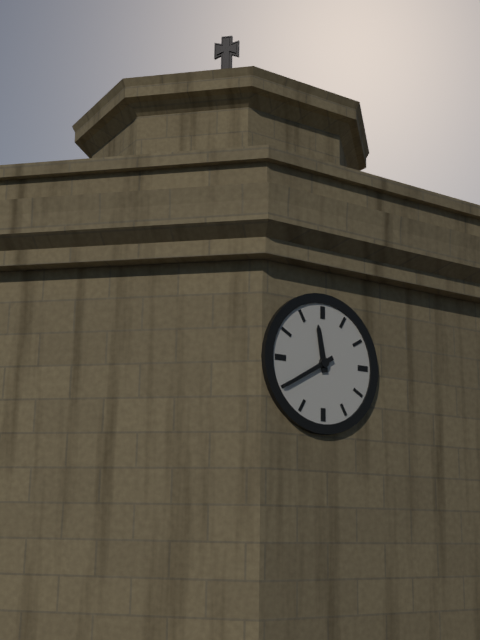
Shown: h=11 m=40
